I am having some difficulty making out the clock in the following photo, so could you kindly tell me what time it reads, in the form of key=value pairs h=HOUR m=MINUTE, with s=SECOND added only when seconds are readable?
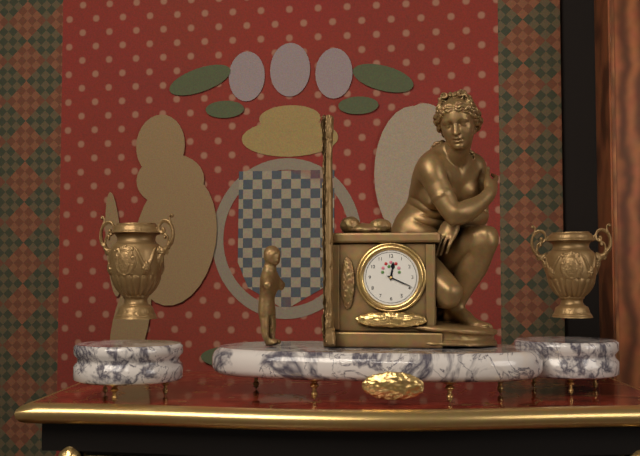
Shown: h=12 m=19
